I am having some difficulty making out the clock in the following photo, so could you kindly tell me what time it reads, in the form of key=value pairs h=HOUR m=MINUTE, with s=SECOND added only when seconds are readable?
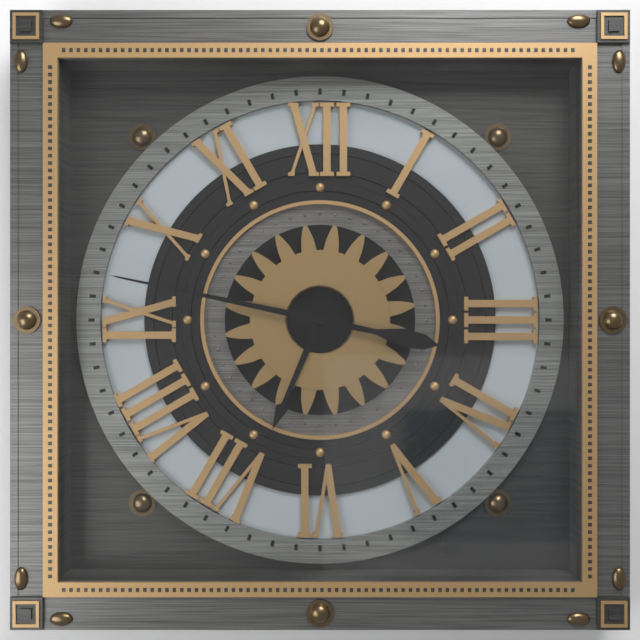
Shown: h=6 m=47
